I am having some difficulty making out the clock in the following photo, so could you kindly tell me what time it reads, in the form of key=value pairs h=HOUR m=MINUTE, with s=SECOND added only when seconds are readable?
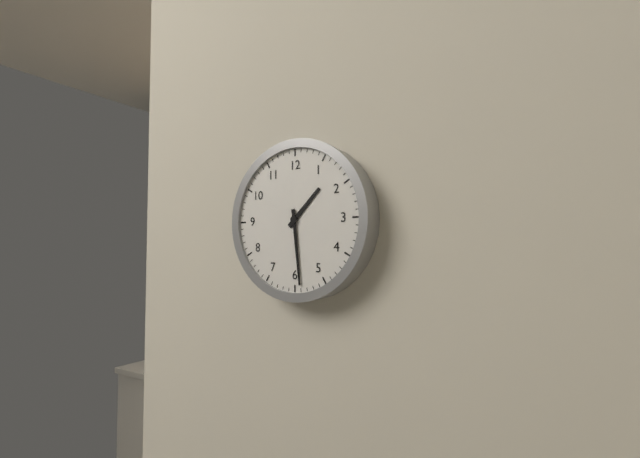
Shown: h=1 m=29
